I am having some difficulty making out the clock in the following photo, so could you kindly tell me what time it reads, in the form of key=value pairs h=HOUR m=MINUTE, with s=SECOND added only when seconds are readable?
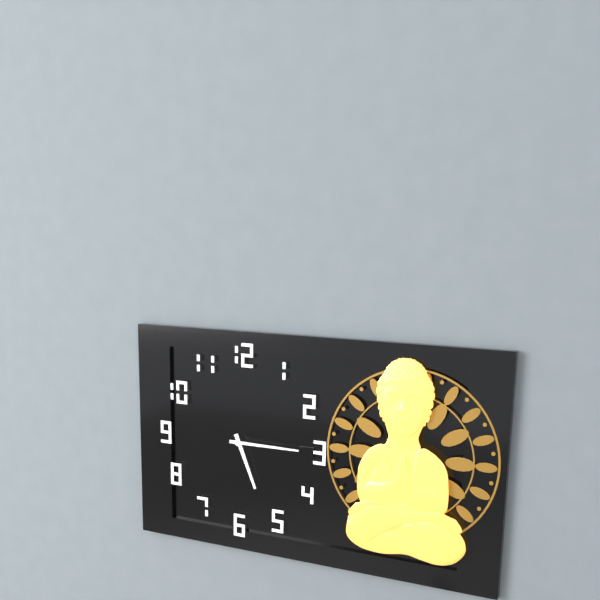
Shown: h=5 m=15
